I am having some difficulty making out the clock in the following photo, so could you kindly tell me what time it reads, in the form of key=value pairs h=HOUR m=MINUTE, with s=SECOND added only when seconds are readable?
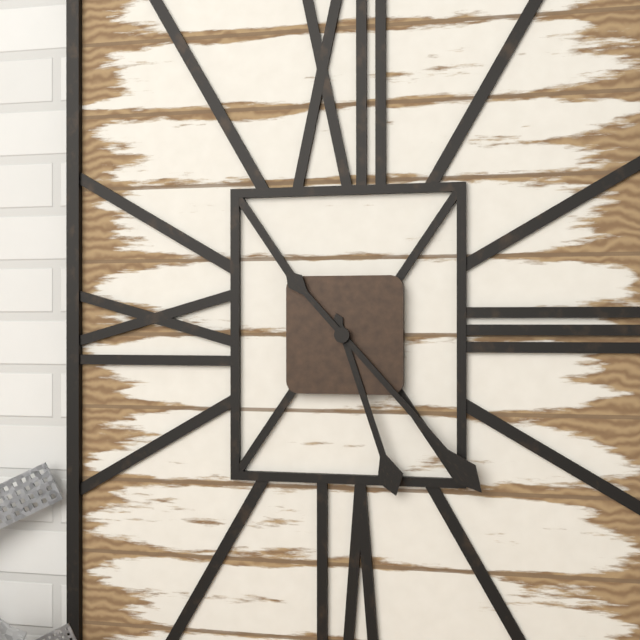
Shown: h=5 m=23
